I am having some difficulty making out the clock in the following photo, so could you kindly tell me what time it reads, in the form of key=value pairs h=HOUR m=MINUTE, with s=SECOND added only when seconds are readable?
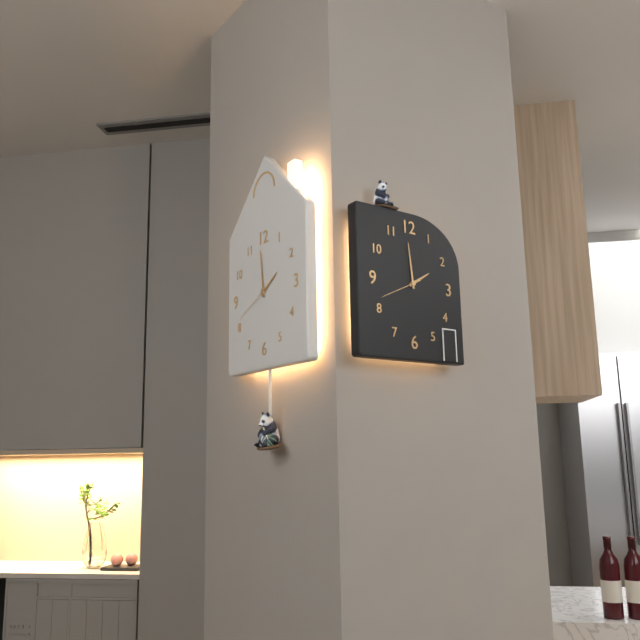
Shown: h=1 m=59
